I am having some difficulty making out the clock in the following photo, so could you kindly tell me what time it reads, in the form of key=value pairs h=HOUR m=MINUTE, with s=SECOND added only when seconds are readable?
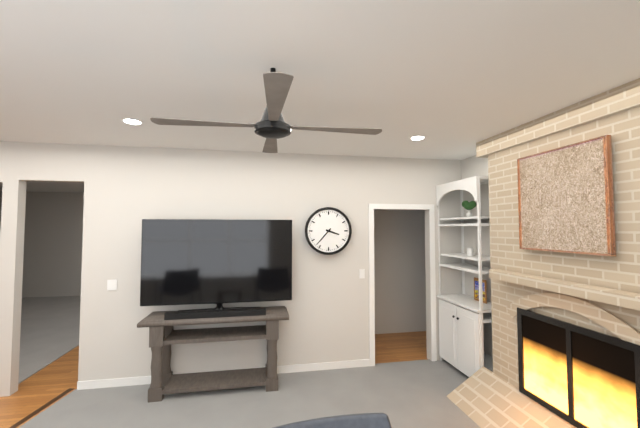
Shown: h=3 m=37
